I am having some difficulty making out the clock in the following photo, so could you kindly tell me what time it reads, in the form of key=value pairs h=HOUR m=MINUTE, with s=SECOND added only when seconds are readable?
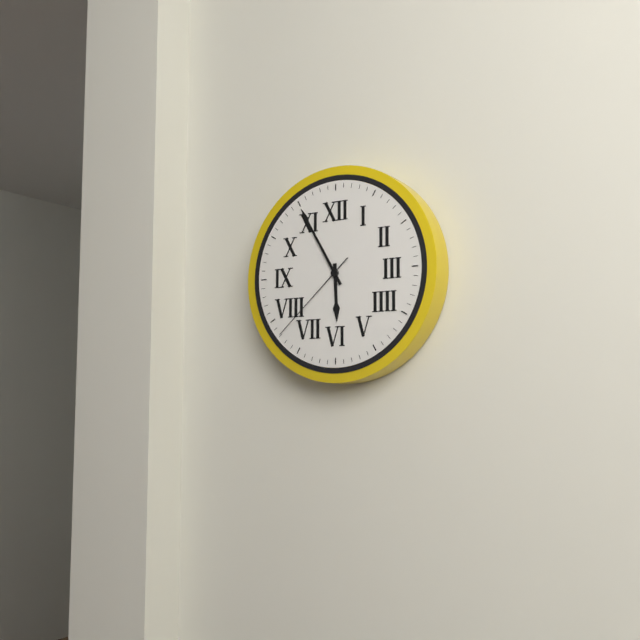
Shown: h=5 m=55 s=38
